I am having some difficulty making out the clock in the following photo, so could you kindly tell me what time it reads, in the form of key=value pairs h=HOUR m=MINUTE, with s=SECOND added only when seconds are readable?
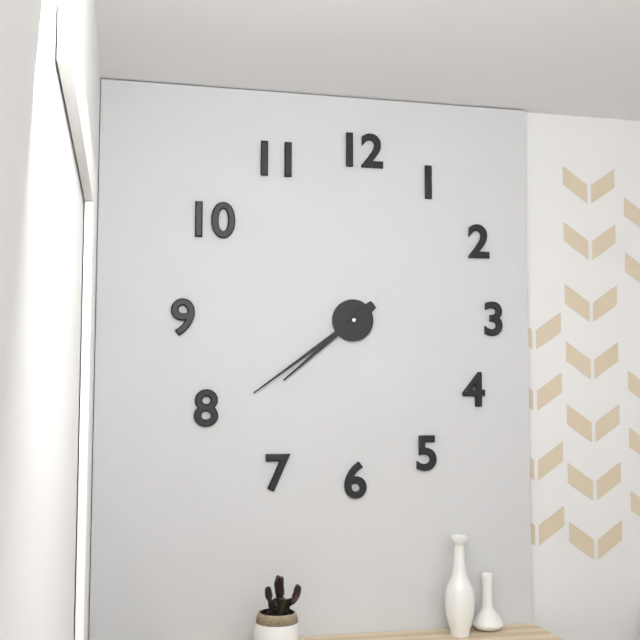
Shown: h=7 m=39
